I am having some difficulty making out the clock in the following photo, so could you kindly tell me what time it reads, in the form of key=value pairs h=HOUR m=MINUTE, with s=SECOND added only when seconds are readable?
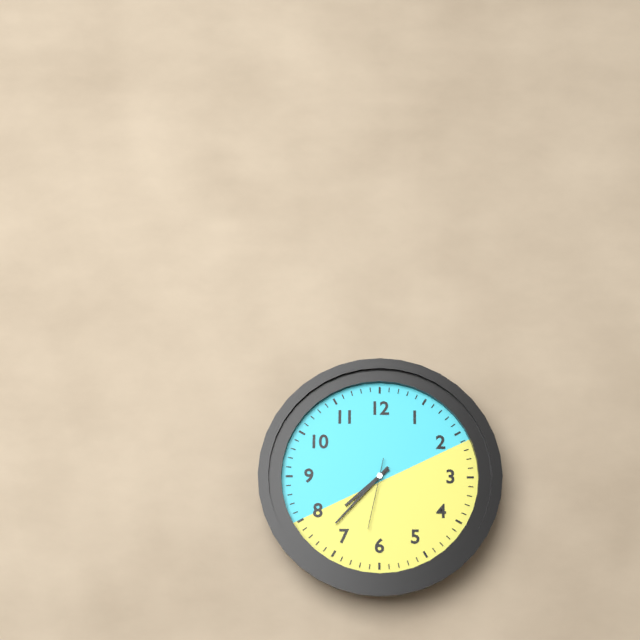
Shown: h=7 m=37 s=32
